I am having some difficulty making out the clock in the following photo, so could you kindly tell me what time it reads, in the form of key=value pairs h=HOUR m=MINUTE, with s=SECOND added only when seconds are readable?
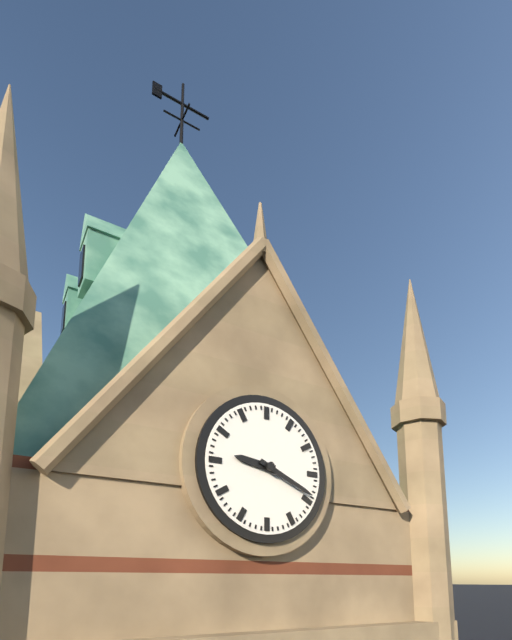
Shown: h=9 m=19
